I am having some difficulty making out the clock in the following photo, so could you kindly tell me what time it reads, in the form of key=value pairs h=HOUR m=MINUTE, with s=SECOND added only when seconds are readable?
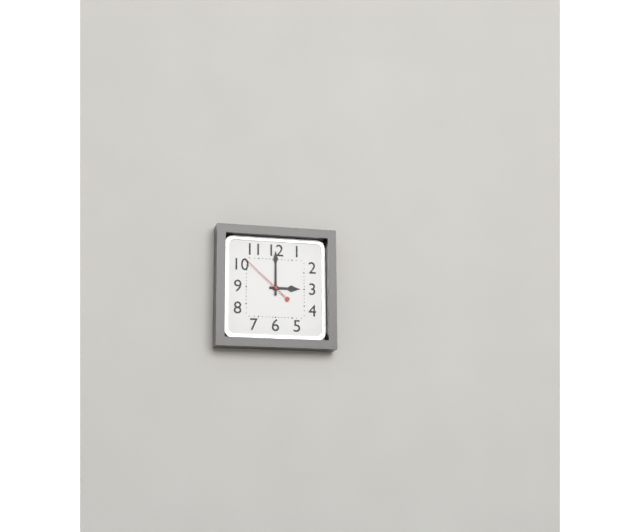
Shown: h=3 m=0 s=52
